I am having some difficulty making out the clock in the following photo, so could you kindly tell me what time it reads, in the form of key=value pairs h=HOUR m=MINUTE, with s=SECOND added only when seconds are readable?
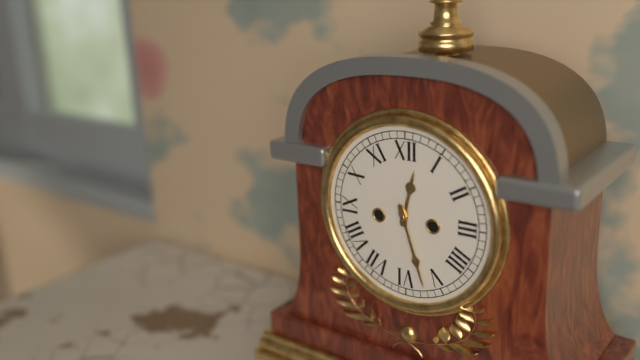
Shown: h=12 m=27
